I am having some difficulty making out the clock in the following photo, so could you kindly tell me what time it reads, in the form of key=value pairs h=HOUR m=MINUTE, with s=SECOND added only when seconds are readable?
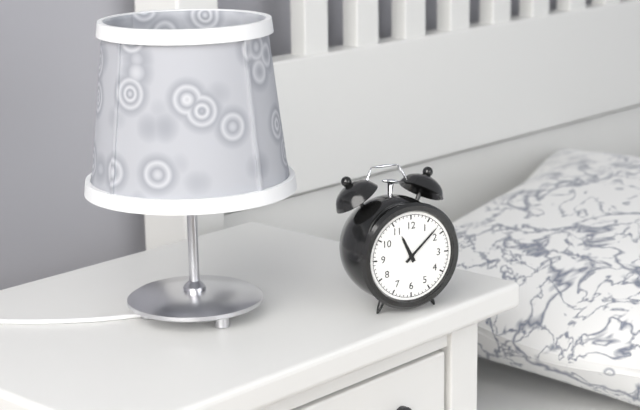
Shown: h=11 m=8
